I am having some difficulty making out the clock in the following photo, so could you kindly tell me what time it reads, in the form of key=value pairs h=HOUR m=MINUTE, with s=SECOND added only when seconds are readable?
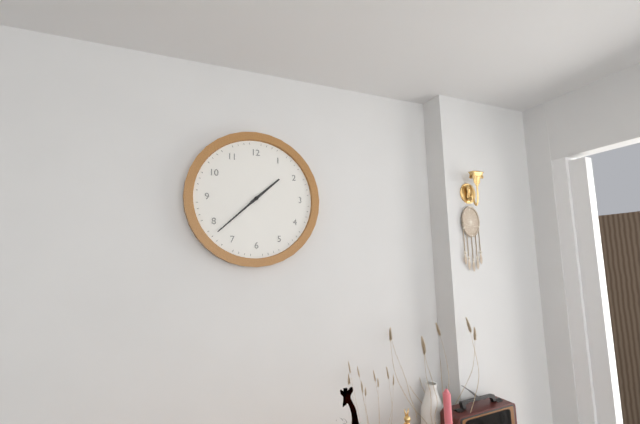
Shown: h=1 m=38
